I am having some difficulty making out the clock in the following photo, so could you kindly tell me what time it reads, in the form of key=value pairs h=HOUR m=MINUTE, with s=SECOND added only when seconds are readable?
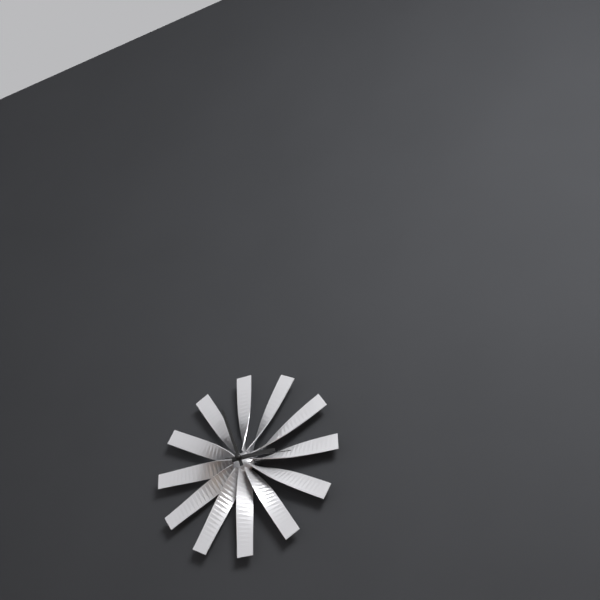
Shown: h=2 m=57 s=16
